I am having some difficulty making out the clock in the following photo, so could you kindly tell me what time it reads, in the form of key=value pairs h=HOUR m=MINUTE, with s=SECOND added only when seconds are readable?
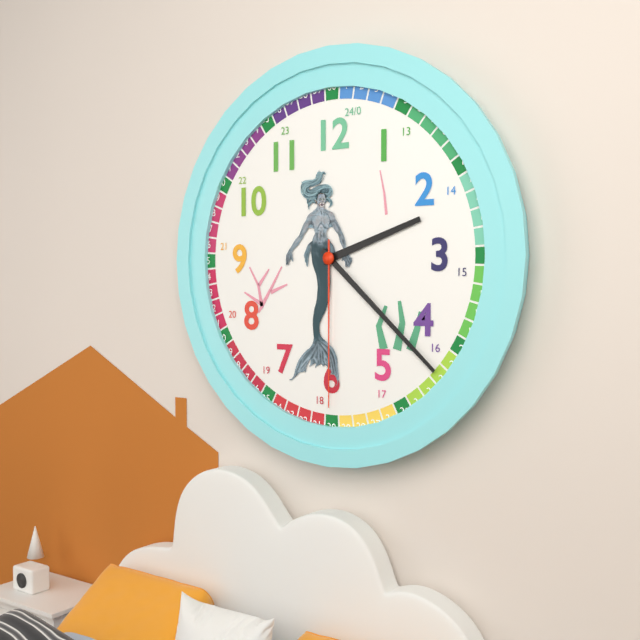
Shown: h=2 m=22 s=30
